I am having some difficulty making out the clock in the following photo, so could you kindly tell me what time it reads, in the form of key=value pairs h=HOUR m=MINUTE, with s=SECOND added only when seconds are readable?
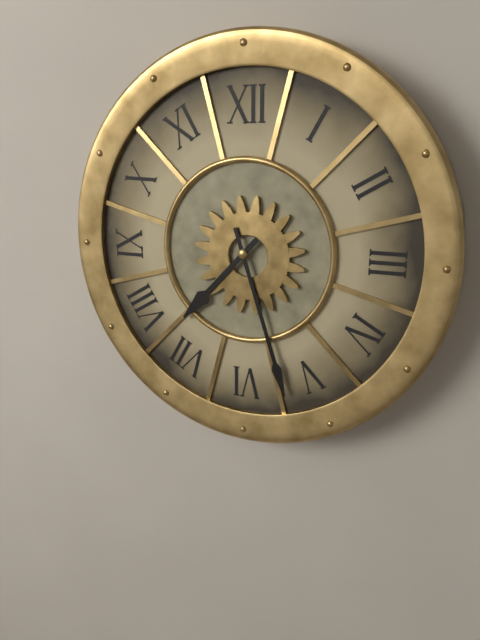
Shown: h=7 m=27
